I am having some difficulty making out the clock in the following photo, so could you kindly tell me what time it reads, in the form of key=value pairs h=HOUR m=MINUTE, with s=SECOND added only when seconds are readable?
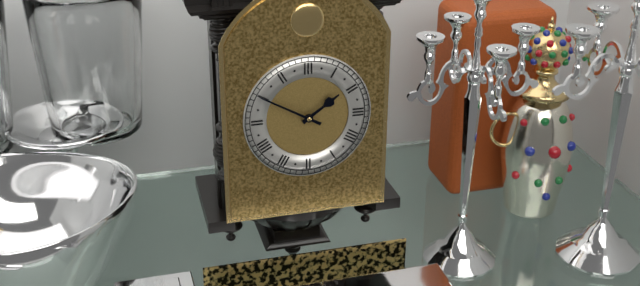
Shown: h=1 m=50
